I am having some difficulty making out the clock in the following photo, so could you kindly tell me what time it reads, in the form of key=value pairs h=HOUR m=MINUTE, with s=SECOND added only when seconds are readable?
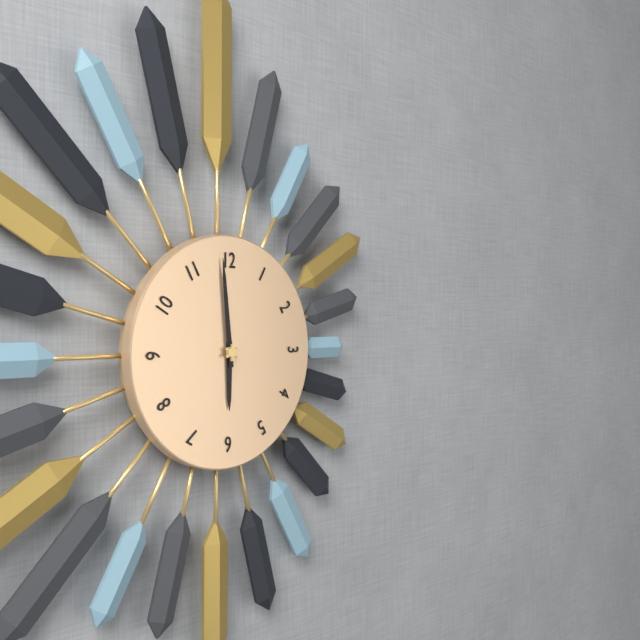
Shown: h=5 m=59
